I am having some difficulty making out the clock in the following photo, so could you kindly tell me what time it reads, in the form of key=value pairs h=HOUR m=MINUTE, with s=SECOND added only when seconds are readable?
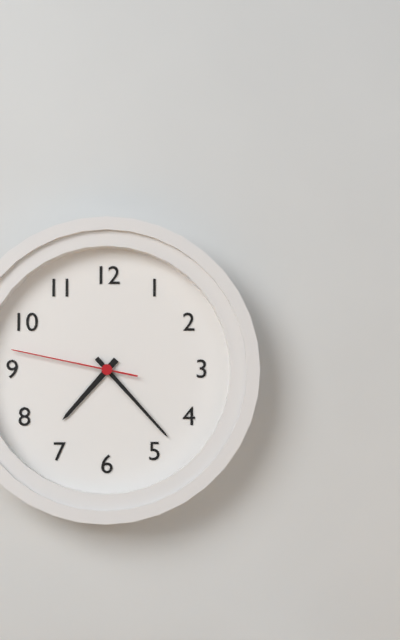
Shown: h=7 m=23 s=47
